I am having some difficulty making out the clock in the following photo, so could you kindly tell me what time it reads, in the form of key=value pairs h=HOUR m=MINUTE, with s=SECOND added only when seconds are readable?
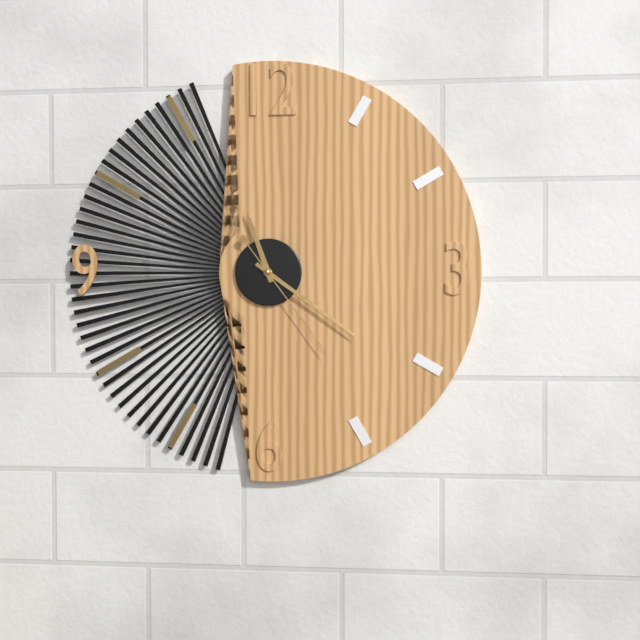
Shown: h=11 m=21 s=24
